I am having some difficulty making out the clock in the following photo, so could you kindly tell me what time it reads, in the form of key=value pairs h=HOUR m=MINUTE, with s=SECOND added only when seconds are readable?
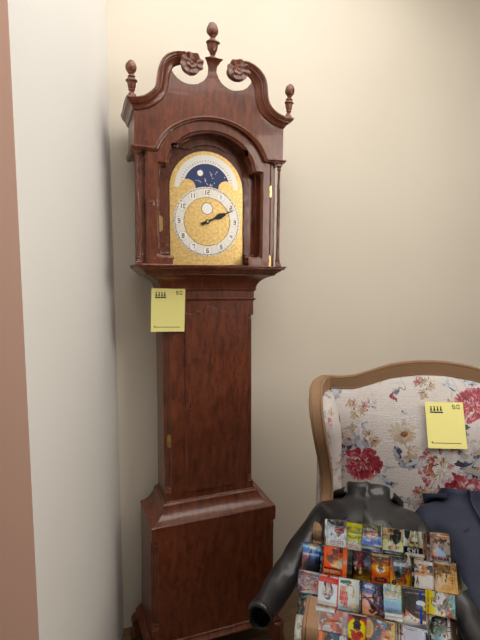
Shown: h=2 m=11
